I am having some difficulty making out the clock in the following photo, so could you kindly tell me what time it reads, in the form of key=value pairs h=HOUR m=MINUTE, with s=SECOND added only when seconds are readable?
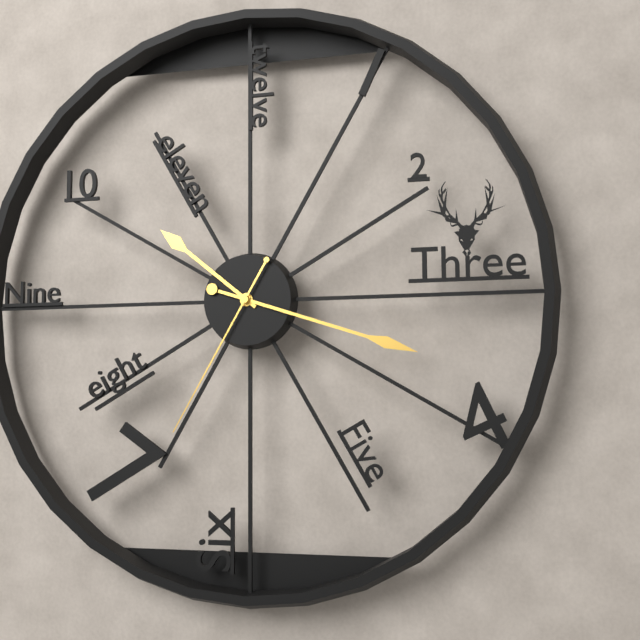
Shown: h=10 m=18 s=35
